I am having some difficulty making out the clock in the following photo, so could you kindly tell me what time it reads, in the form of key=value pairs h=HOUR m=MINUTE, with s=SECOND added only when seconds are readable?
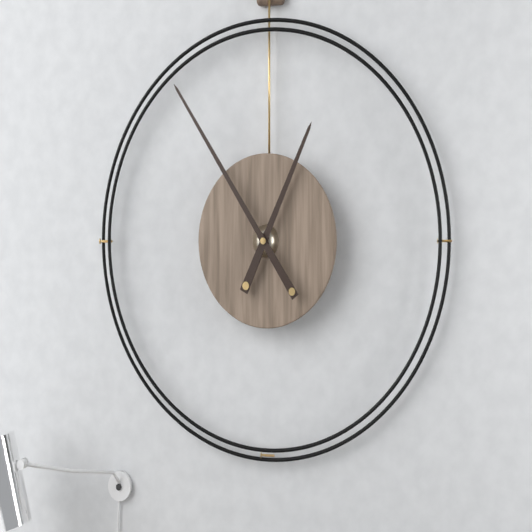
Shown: h=12 m=54
